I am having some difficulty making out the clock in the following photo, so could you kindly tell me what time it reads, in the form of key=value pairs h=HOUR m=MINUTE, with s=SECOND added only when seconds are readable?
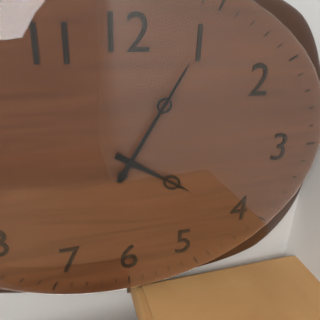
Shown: h=4 m=5
